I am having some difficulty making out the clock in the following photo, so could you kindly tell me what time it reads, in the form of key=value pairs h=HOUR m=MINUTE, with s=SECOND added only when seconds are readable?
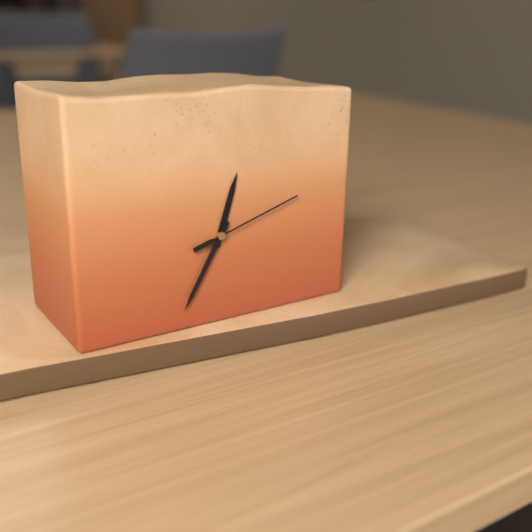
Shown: h=12 m=35 s=12
